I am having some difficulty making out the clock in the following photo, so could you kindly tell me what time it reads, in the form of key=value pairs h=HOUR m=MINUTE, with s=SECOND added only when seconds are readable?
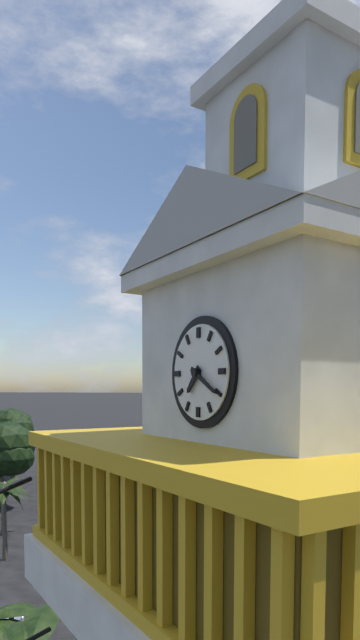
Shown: h=7 m=20
